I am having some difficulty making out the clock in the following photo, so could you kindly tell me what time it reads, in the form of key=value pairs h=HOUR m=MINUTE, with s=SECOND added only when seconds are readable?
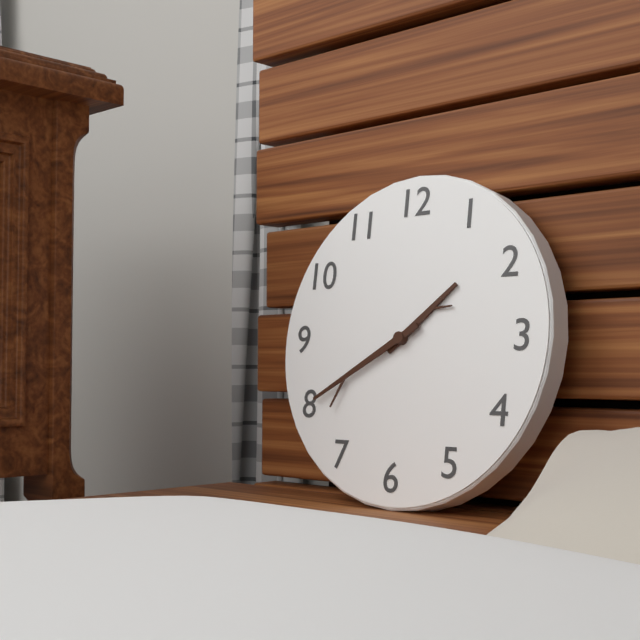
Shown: h=1 m=40
